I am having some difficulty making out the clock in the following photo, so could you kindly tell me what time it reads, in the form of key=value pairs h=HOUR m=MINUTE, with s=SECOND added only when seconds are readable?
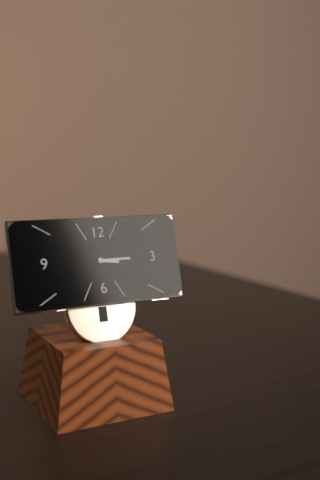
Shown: h=3 m=15
